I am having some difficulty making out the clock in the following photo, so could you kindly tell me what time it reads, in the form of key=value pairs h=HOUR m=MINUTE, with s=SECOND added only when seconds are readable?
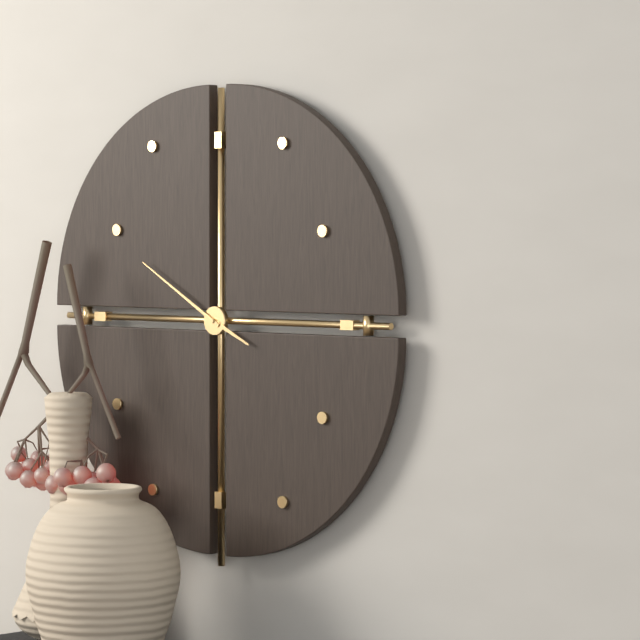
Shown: h=3 m=50
